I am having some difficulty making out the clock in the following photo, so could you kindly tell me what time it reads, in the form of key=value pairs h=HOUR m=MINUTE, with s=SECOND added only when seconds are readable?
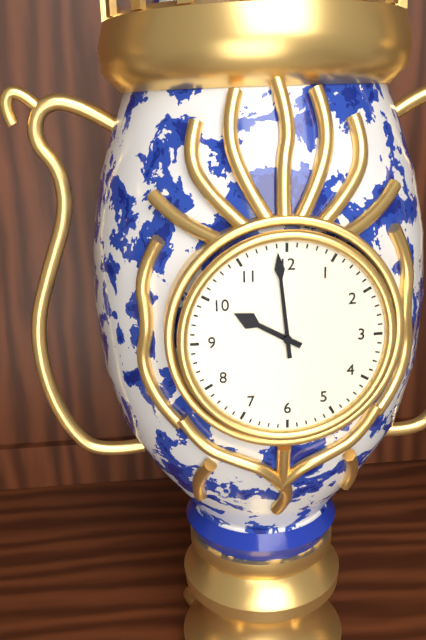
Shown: h=9 m=59
